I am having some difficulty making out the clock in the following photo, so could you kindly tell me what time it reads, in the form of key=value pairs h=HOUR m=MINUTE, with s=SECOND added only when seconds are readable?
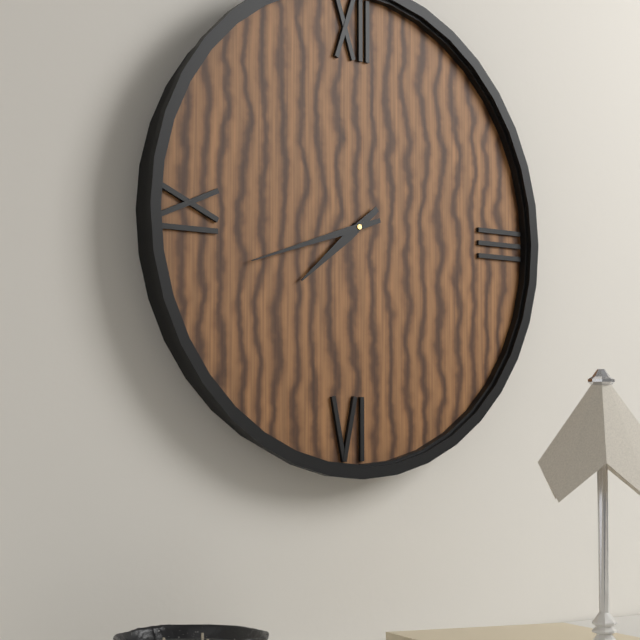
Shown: h=7 m=42
